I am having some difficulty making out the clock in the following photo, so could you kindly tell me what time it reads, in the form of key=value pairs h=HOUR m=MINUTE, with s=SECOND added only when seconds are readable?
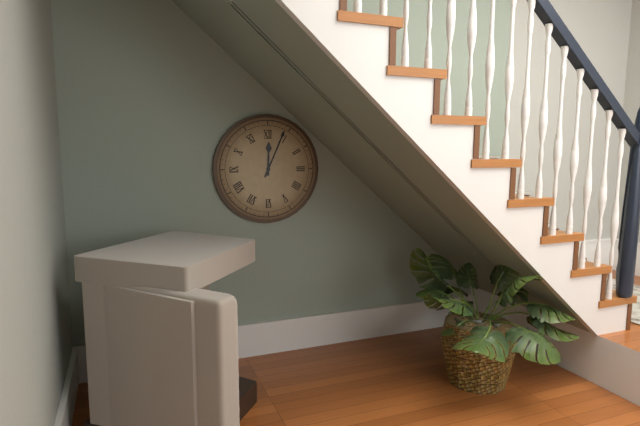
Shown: h=12 m=4
